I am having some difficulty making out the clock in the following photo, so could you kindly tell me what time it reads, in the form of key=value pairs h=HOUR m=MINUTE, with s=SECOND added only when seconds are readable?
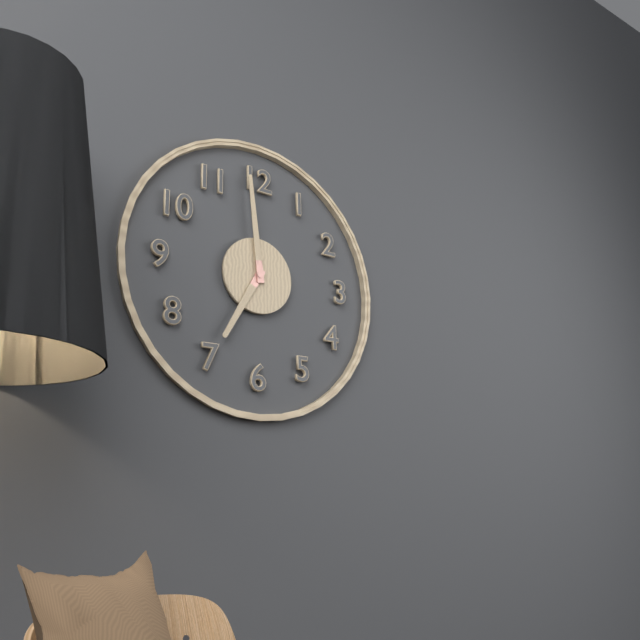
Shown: h=6 m=59
